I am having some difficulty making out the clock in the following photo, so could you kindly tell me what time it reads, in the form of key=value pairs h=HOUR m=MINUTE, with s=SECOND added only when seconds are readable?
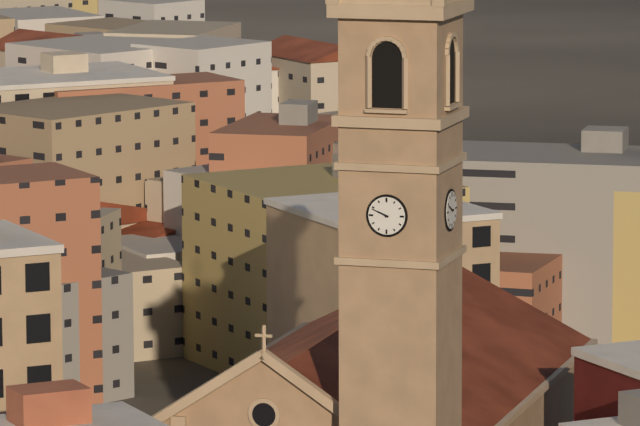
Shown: h=9 m=49
